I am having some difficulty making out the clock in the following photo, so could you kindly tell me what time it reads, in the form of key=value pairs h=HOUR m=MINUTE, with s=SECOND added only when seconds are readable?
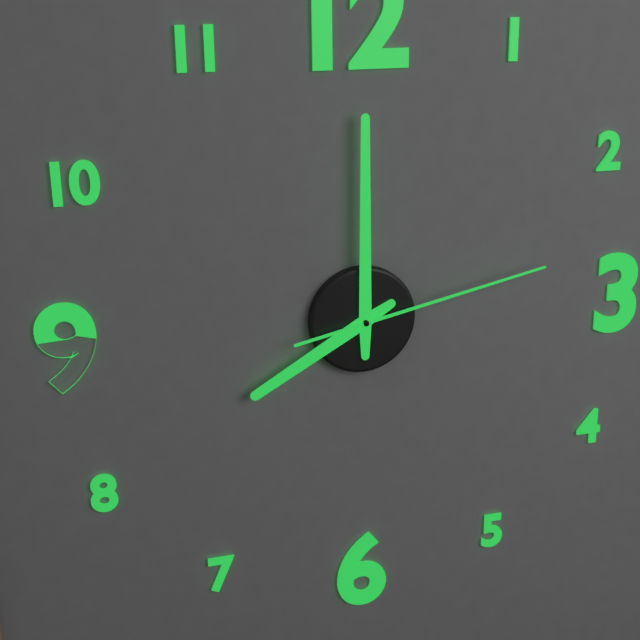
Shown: h=8 m=0 s=13
